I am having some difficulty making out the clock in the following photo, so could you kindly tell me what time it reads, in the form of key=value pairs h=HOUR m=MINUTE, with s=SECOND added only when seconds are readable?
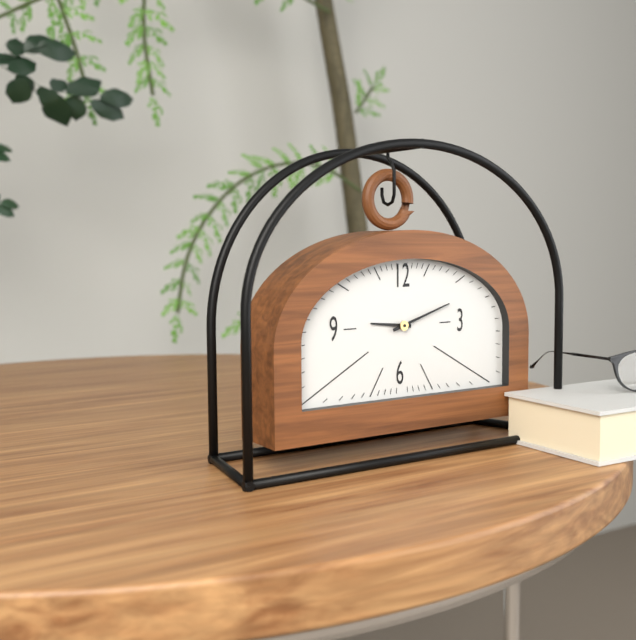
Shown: h=9 m=12
